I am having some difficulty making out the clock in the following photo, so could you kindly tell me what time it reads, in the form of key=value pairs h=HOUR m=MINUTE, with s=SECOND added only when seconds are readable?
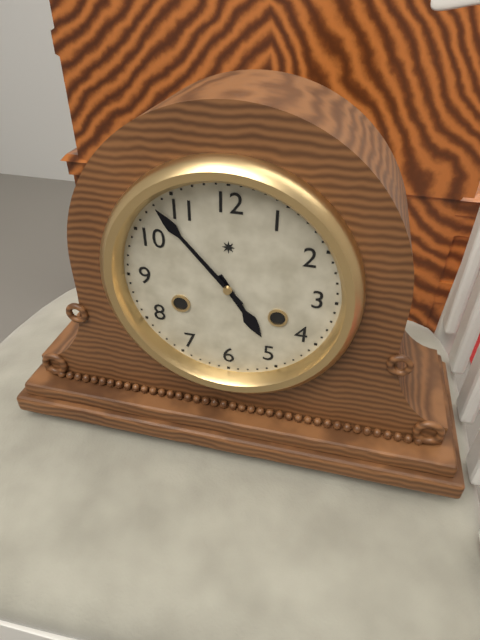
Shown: h=4 m=53
